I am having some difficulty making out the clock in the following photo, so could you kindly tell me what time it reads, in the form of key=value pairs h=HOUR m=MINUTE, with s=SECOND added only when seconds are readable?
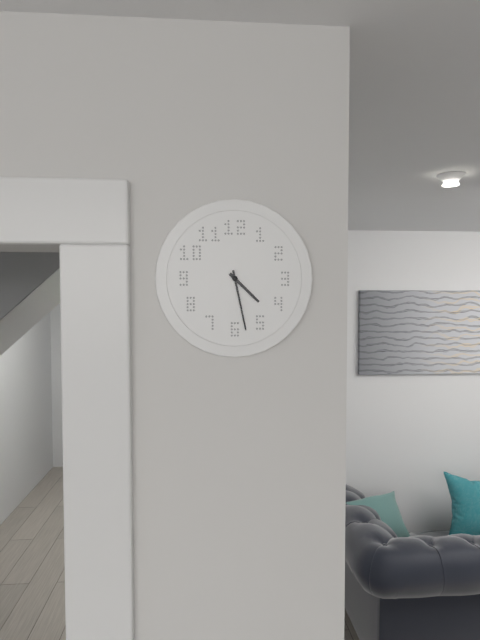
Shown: h=4 m=28
